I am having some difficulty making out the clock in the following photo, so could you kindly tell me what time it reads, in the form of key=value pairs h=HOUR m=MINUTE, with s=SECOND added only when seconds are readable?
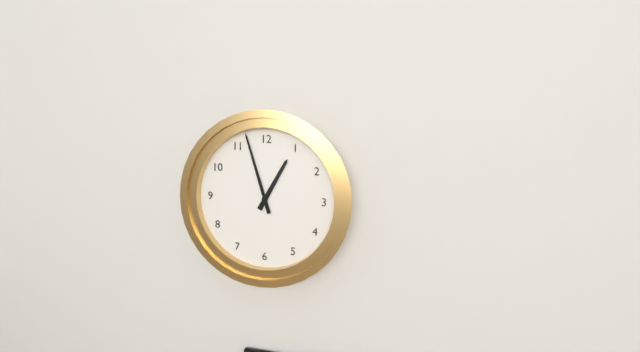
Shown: h=12 m=57
